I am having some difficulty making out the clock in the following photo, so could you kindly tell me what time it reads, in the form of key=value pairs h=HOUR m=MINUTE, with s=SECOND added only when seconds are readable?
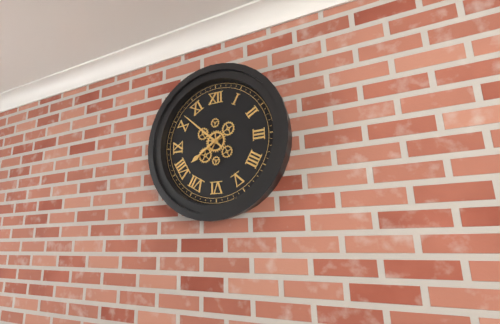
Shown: h=7 m=52
